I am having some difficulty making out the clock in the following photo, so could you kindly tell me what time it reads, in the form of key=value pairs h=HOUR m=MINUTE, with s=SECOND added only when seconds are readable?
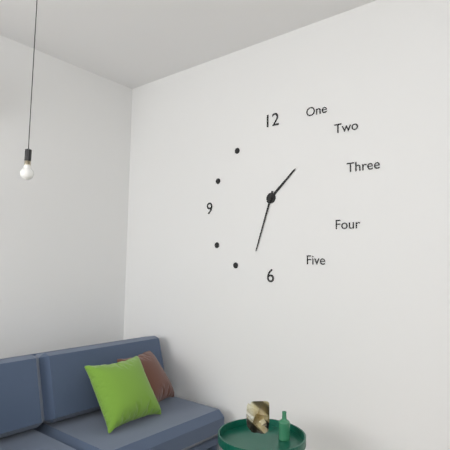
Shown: h=1 m=33
